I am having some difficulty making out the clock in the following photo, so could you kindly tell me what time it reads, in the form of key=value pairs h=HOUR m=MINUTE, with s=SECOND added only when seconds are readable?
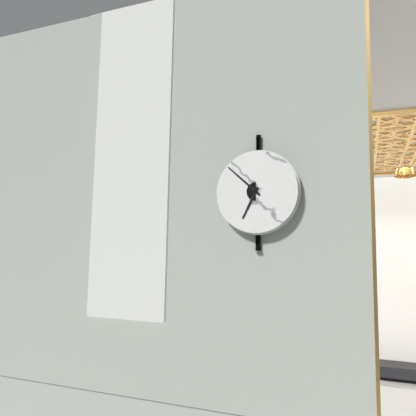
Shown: h=6 m=52
